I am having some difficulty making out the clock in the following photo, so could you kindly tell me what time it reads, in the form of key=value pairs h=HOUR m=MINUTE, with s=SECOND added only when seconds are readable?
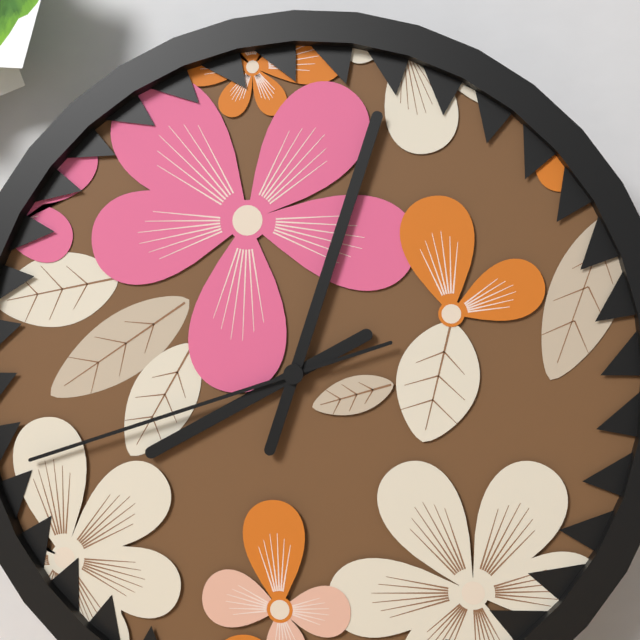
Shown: h=8 m=3 s=42
